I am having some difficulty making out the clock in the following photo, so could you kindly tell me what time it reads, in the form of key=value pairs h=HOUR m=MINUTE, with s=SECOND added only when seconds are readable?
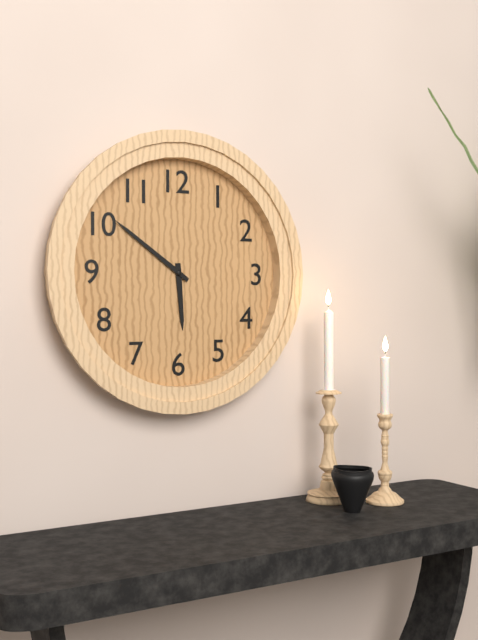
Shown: h=5 m=51
